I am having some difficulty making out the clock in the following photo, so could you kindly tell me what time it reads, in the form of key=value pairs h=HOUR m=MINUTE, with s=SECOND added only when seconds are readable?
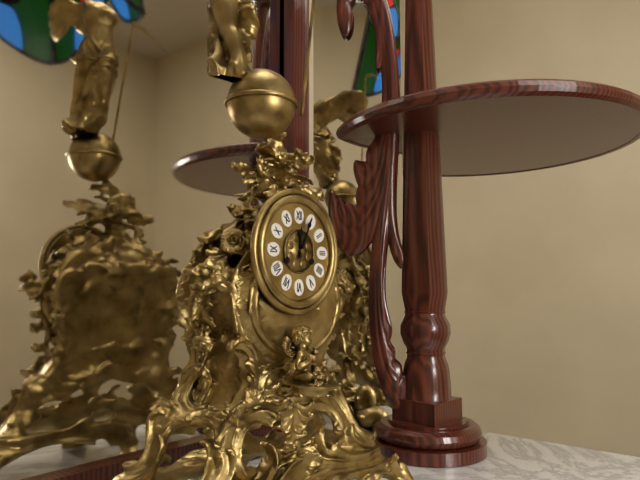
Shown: h=12 m=4
